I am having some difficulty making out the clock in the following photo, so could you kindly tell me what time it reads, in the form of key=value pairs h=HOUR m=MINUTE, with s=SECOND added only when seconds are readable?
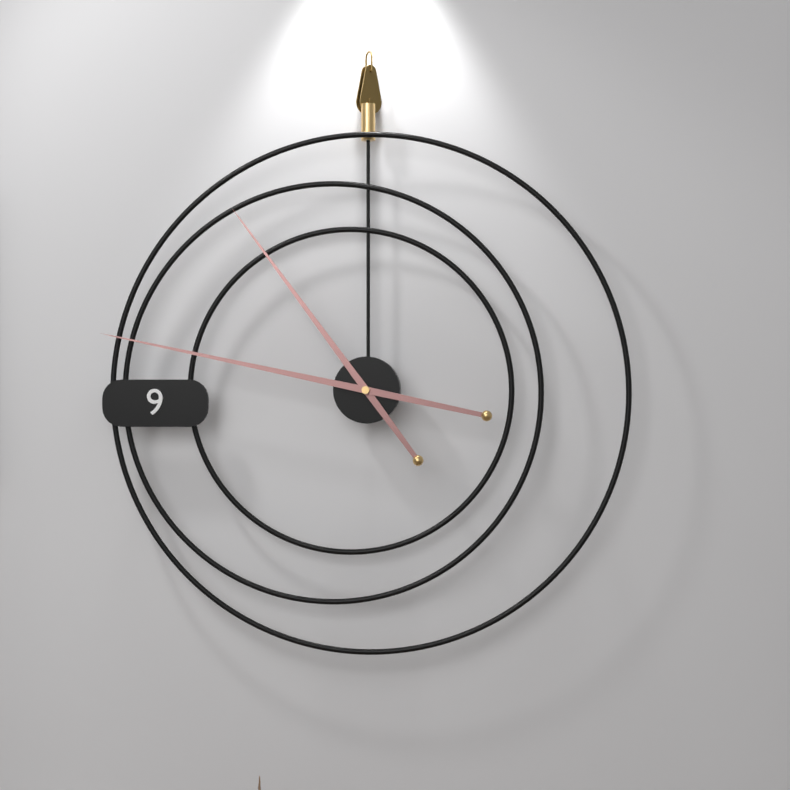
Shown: h=10 m=47
